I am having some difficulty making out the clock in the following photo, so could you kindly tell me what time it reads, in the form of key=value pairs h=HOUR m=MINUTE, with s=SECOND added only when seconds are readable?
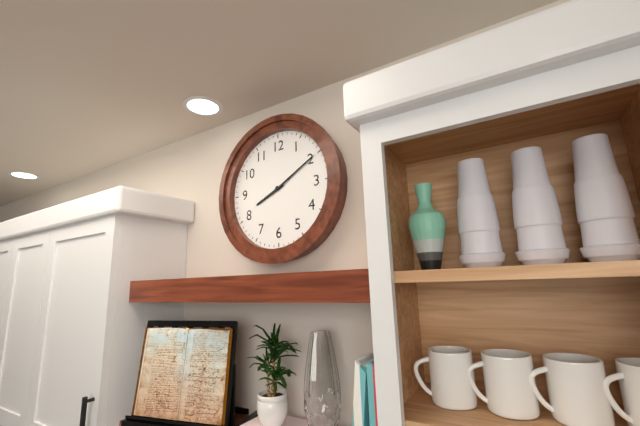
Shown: h=8 m=10
